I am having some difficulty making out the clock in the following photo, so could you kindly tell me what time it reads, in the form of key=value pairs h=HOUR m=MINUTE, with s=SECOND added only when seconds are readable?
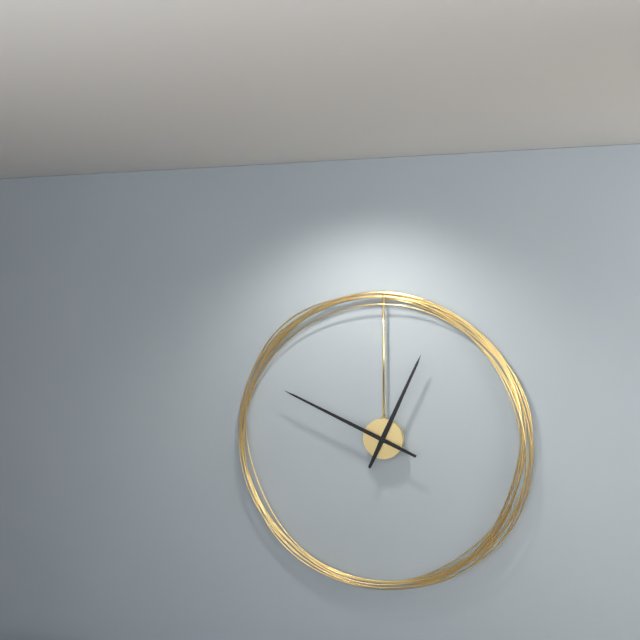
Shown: h=12 m=49
